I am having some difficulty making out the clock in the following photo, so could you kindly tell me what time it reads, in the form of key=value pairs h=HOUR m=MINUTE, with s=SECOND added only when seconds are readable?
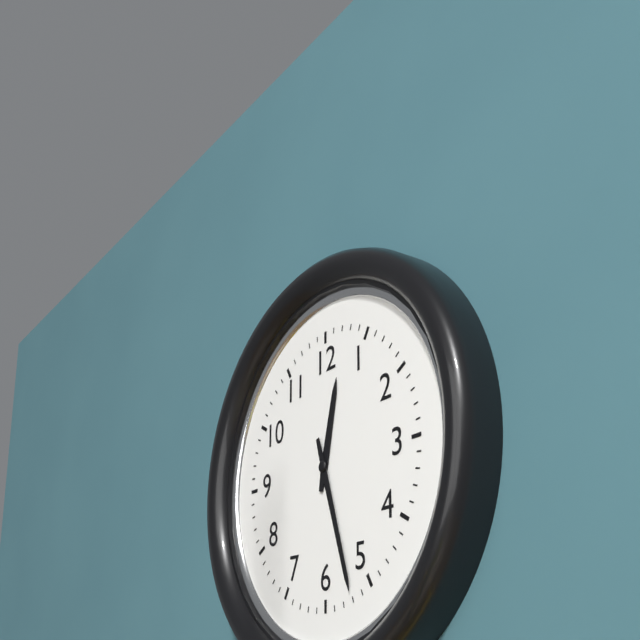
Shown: h=12 m=27
